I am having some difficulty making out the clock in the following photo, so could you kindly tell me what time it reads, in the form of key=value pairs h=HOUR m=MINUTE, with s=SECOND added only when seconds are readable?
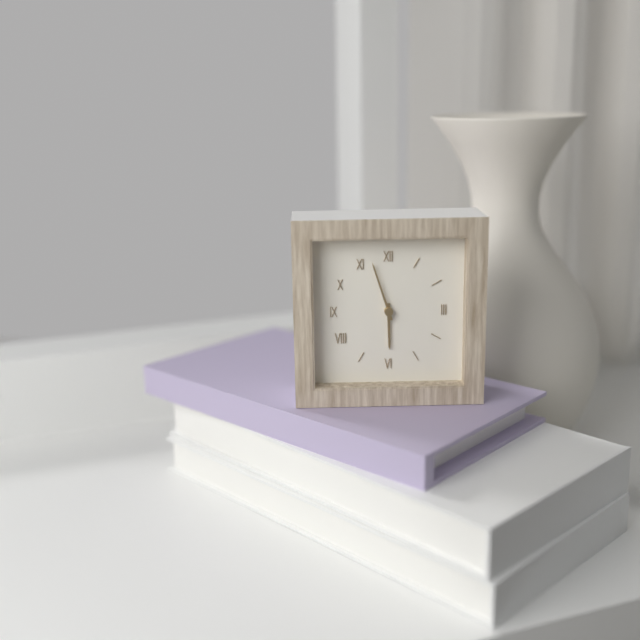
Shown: h=5 m=57
